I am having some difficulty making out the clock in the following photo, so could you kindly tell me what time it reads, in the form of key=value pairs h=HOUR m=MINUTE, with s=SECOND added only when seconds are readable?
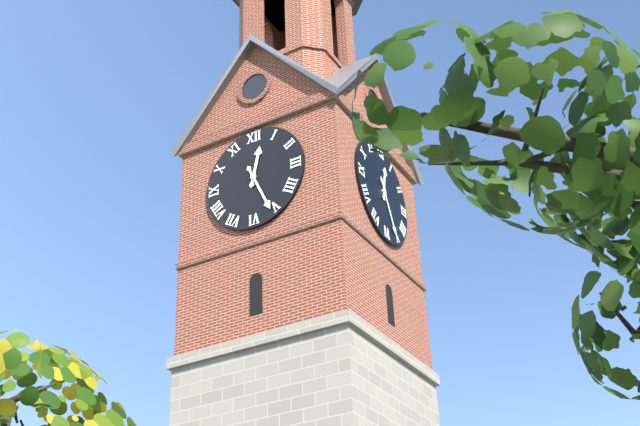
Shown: h=12 m=26
